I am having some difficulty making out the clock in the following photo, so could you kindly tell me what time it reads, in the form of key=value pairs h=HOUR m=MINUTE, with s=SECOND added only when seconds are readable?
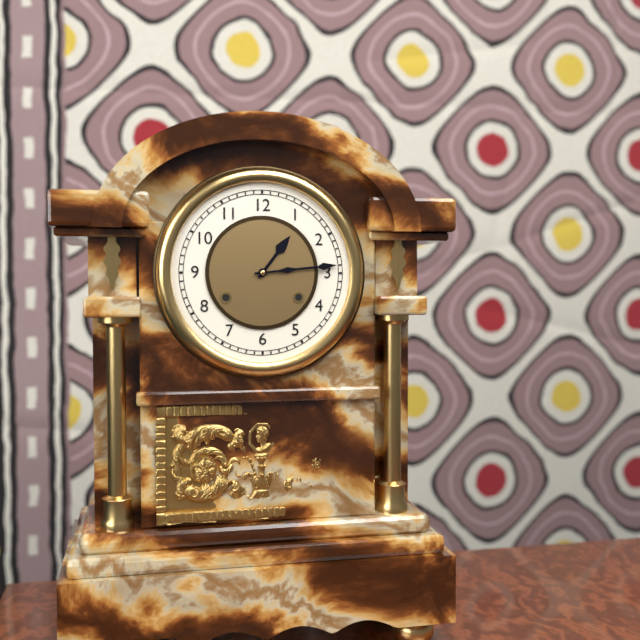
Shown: h=1 m=14
